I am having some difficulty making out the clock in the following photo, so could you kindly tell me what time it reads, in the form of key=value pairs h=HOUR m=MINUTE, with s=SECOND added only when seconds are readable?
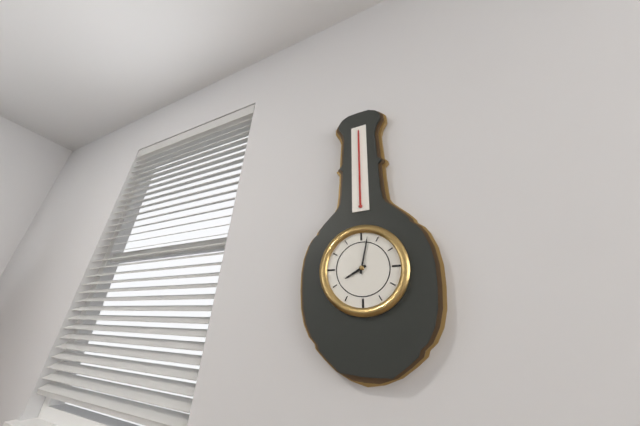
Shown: h=8 m=2
